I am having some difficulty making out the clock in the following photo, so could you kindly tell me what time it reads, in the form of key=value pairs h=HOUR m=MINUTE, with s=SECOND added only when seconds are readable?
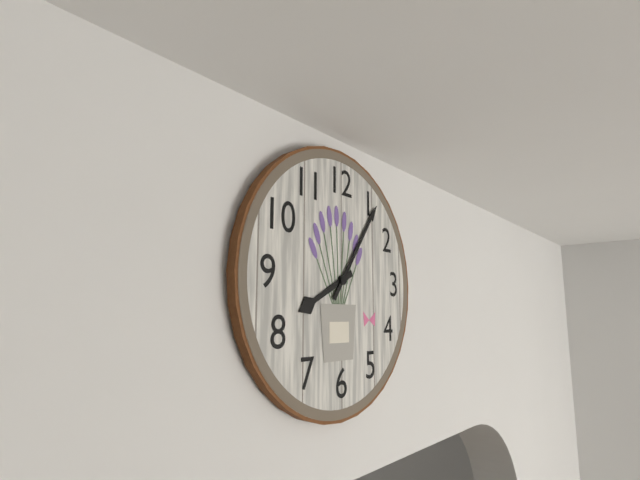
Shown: h=8 m=6
